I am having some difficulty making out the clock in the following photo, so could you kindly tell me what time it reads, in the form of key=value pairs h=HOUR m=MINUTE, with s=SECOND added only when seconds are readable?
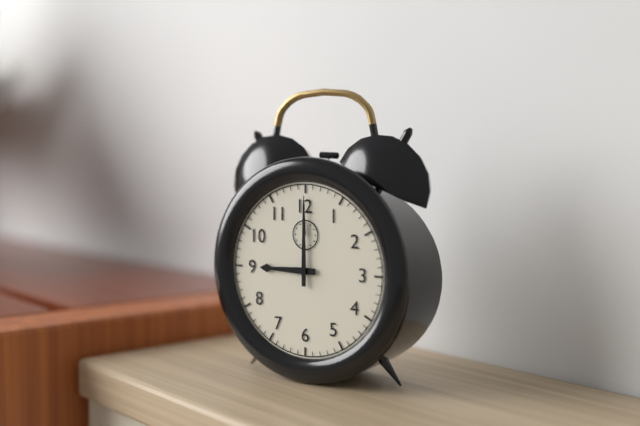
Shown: h=9 m=0
